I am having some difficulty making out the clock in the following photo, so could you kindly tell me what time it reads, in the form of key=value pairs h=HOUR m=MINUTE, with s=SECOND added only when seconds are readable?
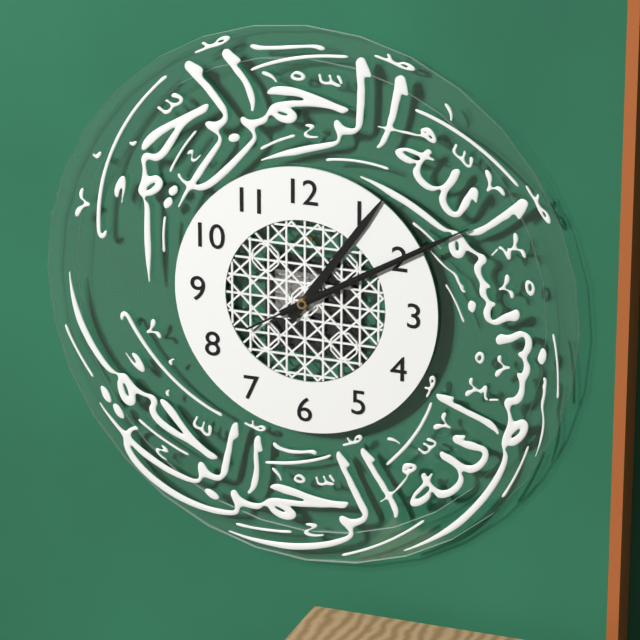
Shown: h=1 m=10 s=10
